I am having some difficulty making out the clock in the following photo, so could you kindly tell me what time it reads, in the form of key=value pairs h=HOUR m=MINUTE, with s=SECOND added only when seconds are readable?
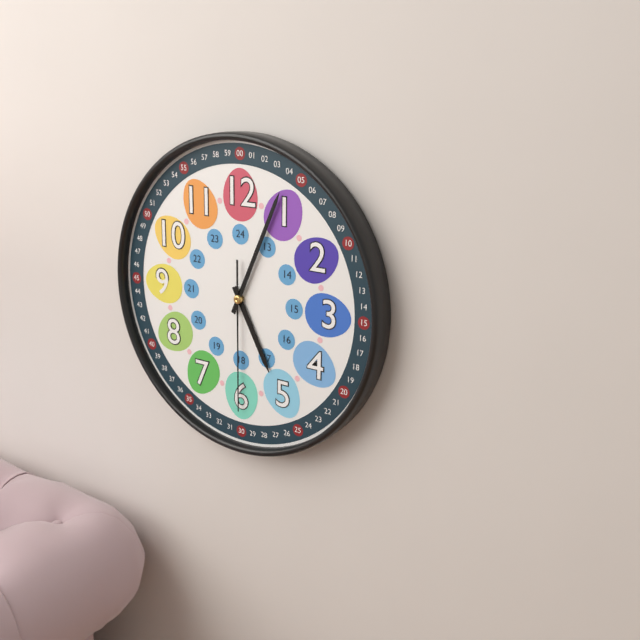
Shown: h=5 m=4 s=30
